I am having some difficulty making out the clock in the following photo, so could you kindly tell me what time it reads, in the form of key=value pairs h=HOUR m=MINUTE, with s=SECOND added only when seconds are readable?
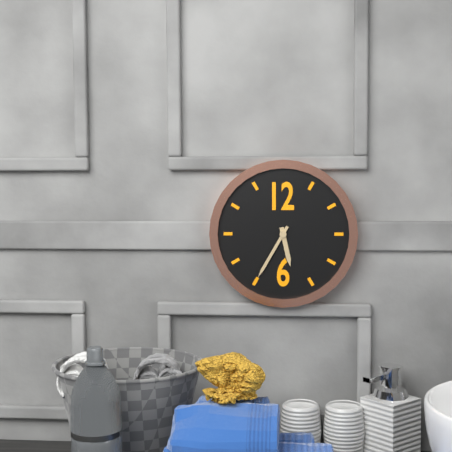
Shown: h=5 m=35
